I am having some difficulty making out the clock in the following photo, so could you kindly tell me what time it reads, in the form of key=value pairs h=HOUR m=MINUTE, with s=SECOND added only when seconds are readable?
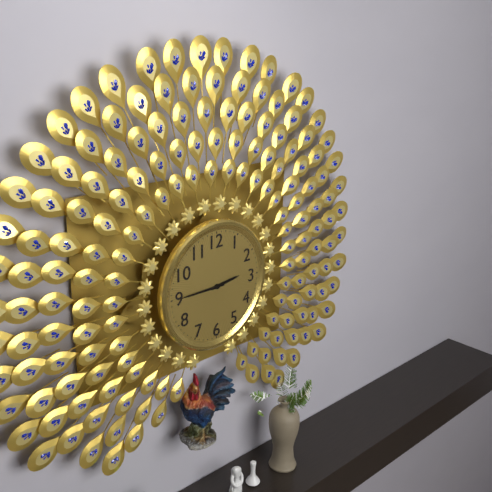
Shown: h=2 m=45
